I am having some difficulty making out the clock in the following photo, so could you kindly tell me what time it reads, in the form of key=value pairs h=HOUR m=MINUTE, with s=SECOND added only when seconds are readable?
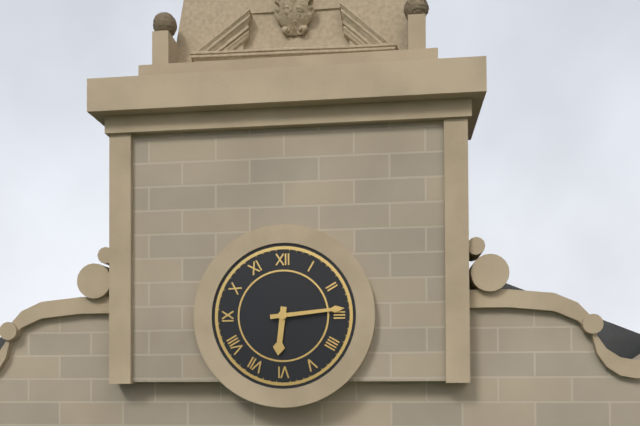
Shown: h=6 m=14
